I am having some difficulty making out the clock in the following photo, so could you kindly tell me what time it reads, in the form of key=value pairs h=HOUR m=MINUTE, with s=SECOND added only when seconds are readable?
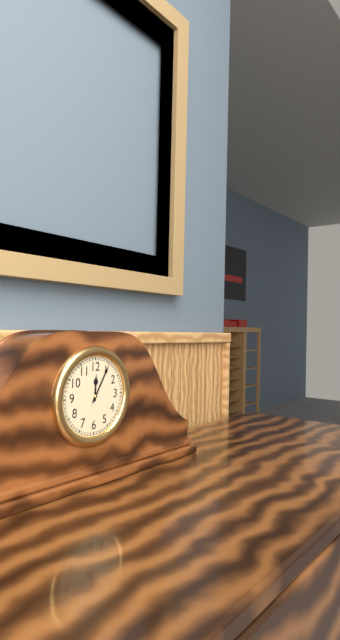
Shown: h=12 m=5
